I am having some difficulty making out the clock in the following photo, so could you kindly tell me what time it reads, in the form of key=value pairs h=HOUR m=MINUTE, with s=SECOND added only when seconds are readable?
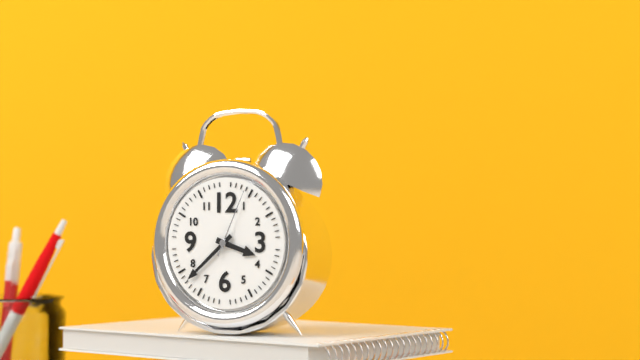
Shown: h=3 m=38 s=4
